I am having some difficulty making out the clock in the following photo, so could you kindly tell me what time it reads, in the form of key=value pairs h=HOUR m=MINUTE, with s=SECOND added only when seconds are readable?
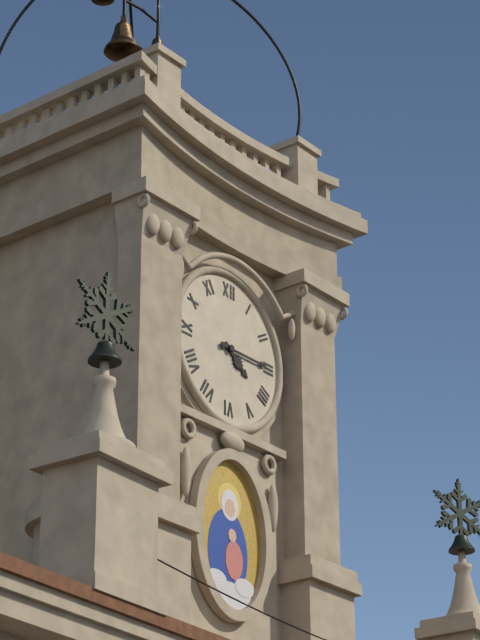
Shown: h=4 m=15
